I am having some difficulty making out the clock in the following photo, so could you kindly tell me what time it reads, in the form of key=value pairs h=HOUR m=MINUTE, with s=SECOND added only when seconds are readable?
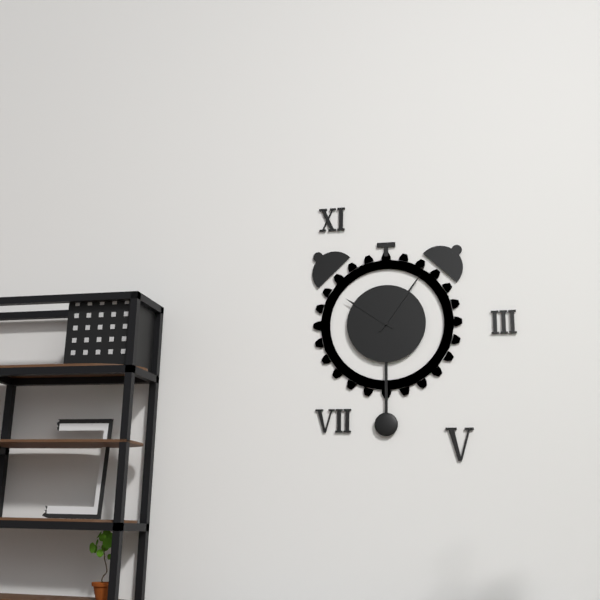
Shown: h=10 m=6
